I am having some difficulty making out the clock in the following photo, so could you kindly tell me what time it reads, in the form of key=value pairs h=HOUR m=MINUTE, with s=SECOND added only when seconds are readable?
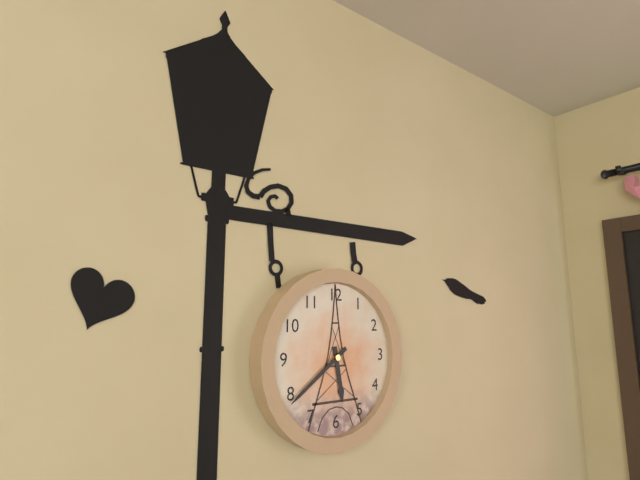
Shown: h=5 m=39
